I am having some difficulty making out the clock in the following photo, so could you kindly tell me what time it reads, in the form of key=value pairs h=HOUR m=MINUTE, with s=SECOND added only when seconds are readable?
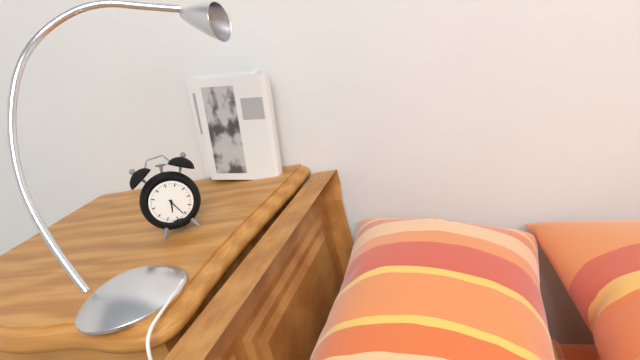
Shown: h=6 m=26
